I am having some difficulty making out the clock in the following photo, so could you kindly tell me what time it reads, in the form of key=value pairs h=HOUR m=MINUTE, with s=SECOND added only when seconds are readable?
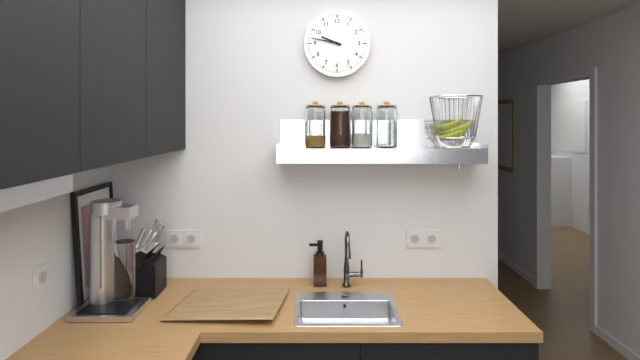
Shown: h=9 m=47
